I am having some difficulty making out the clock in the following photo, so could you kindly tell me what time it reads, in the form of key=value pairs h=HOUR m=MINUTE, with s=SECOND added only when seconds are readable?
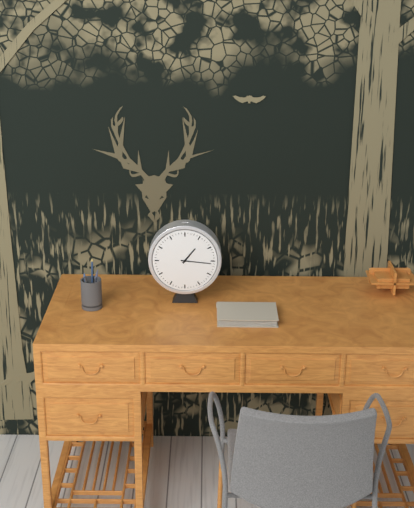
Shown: h=1 m=16
